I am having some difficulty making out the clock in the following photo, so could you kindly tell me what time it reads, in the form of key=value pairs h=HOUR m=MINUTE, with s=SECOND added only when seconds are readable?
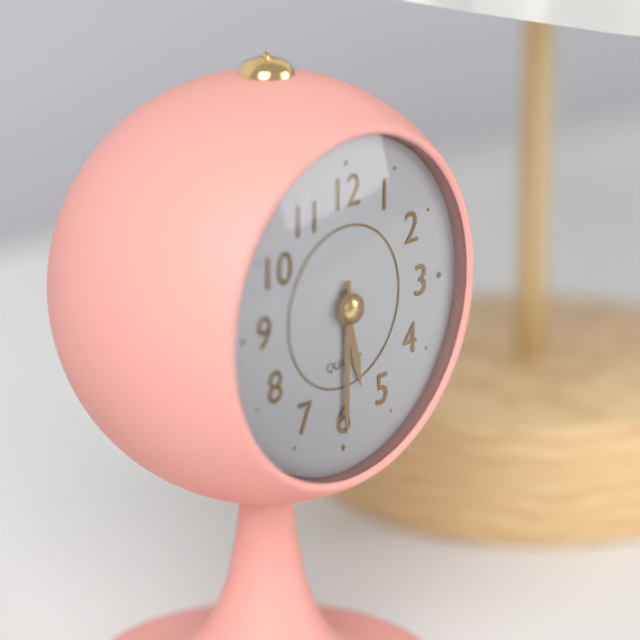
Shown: h=5 m=30
